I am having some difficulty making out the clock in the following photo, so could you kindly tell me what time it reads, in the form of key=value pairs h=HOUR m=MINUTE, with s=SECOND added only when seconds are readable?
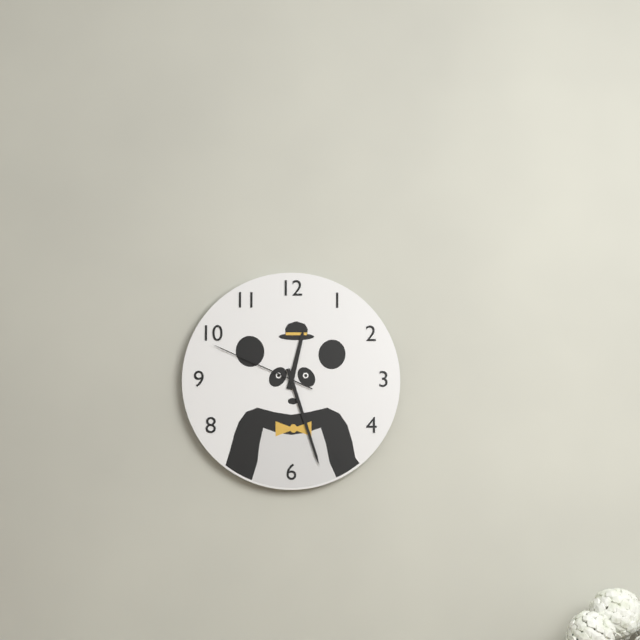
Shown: h=12 m=27 s=49
